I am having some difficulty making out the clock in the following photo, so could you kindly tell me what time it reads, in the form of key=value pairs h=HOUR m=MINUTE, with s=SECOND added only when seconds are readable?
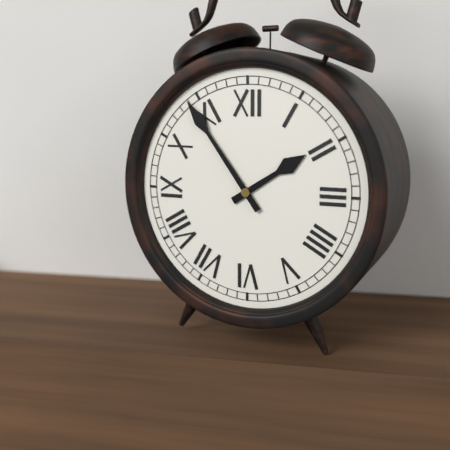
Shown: h=1 m=54
